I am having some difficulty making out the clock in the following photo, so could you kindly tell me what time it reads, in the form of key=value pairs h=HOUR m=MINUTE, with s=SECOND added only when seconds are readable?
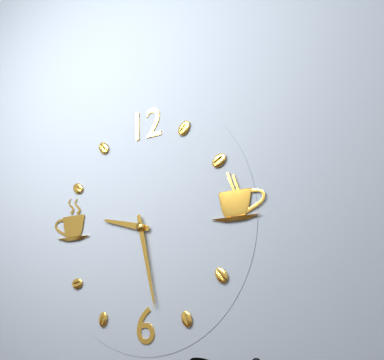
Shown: h=9 m=28
